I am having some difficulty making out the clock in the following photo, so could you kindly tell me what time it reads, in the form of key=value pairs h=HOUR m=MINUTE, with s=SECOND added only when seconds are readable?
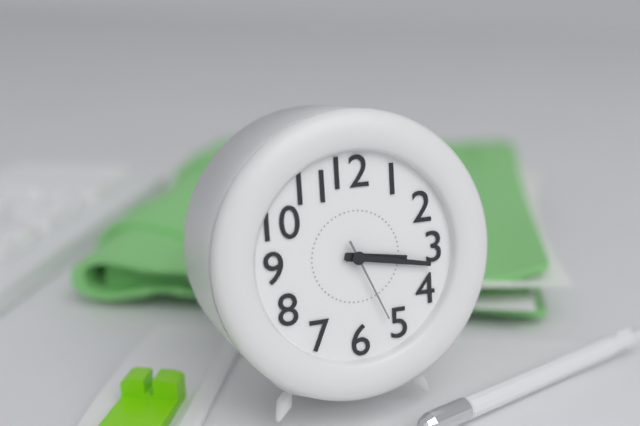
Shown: h=3 m=17 s=26
